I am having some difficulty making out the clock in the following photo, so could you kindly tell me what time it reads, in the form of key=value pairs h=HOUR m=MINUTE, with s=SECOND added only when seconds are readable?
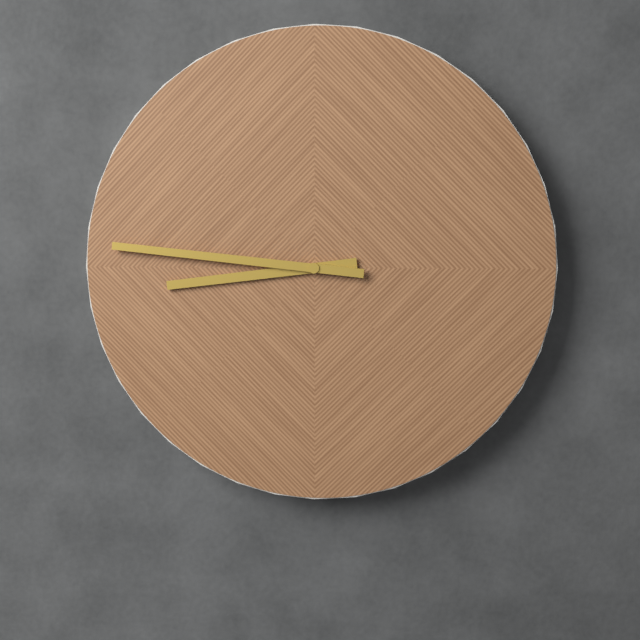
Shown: h=8 m=46
